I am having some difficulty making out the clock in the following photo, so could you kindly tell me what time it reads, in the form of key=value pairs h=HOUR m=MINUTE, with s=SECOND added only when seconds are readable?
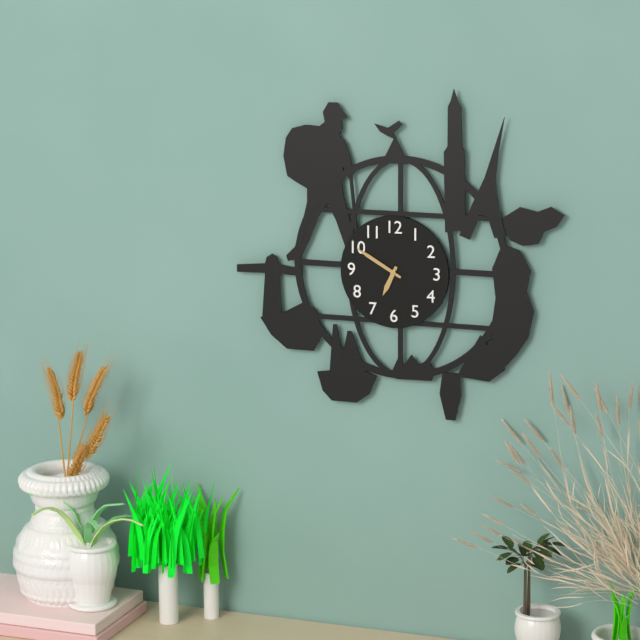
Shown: h=6 m=50
